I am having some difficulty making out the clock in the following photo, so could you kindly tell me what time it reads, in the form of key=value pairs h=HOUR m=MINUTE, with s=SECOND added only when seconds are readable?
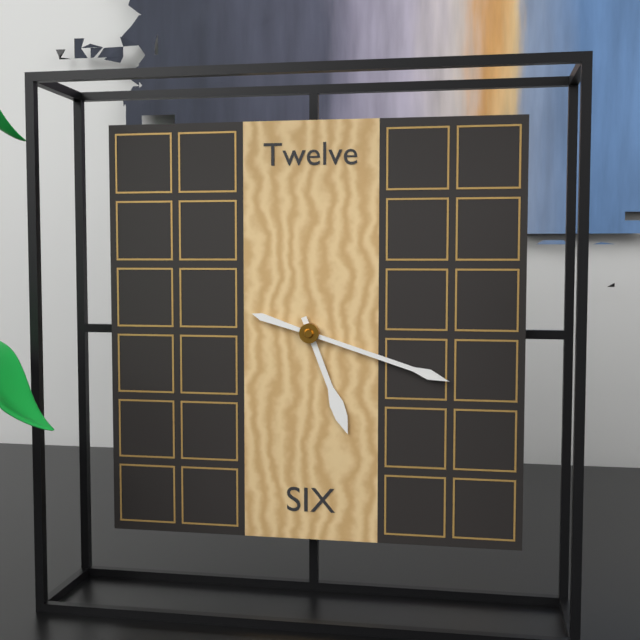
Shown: h=5 m=18
